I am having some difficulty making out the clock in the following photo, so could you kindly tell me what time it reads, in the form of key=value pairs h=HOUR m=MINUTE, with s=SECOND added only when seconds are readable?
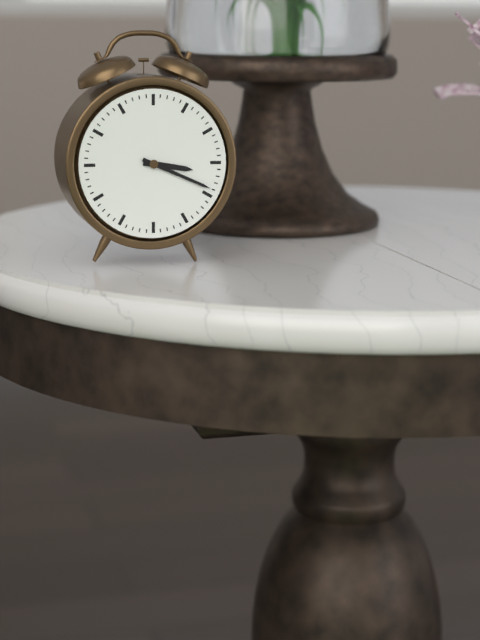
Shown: h=3 m=19
